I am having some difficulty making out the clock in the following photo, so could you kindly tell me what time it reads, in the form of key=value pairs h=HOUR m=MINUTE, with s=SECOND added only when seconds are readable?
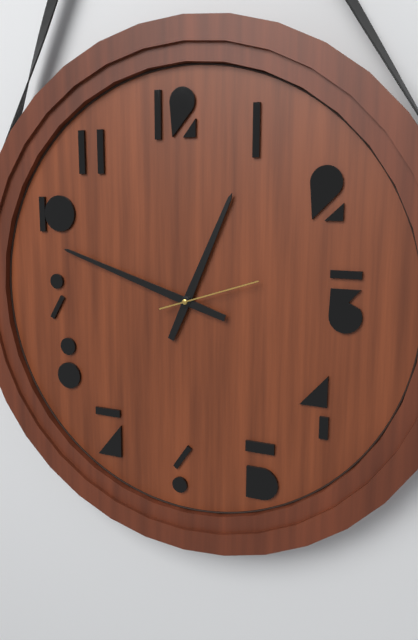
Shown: h=12 m=48 s=12
